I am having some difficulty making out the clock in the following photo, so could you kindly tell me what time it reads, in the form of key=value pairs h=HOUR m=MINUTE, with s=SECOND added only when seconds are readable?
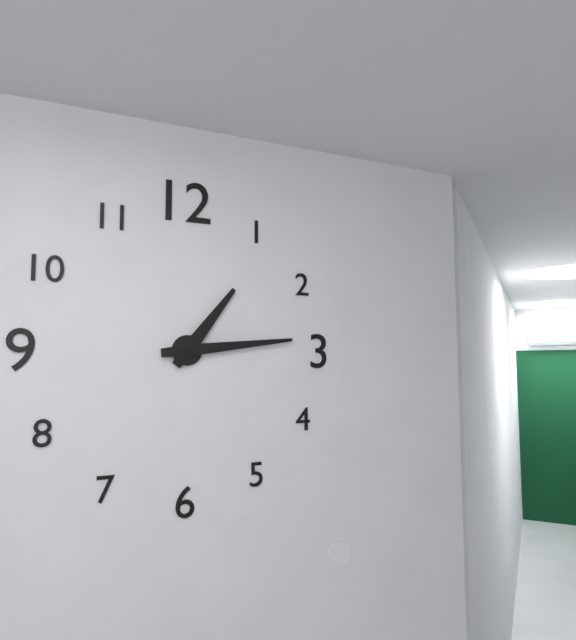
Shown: h=1 m=14
